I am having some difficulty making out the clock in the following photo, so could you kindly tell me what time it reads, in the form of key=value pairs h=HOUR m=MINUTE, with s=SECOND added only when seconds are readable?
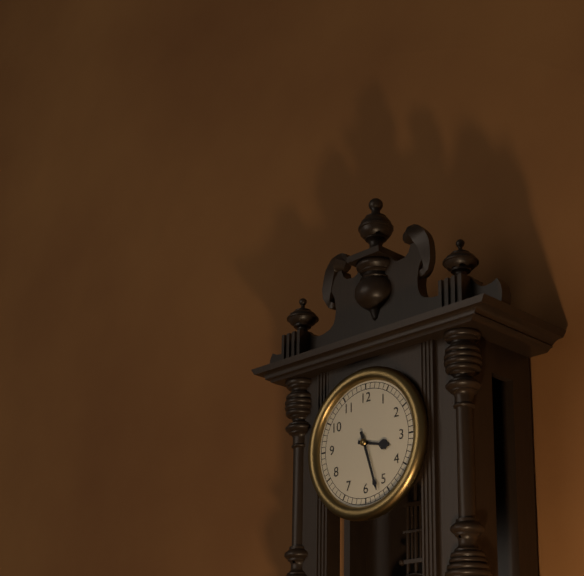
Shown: h=3 m=27
